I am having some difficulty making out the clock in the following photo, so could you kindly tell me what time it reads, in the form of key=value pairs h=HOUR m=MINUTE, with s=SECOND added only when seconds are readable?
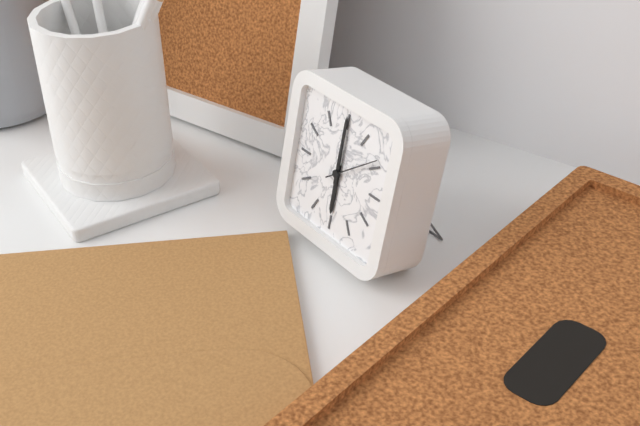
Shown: h=6 m=0 s=9
